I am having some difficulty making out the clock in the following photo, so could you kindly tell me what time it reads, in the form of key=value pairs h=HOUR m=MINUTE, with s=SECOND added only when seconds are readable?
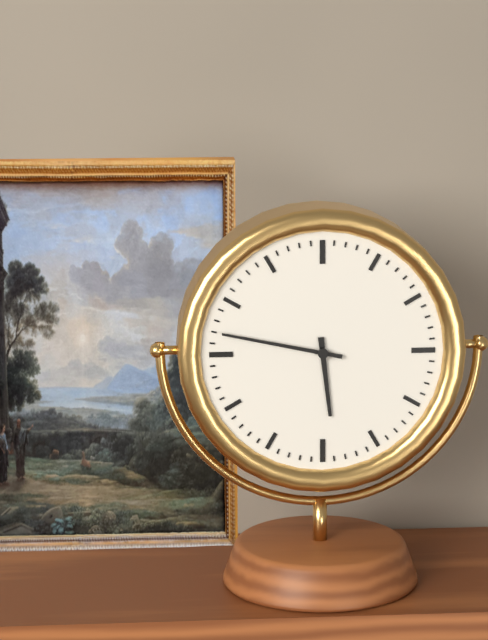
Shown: h=5 m=47
